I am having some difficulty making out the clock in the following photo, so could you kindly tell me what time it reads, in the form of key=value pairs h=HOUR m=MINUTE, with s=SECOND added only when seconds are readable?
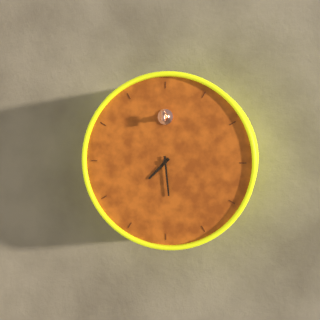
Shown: h=7 m=29
